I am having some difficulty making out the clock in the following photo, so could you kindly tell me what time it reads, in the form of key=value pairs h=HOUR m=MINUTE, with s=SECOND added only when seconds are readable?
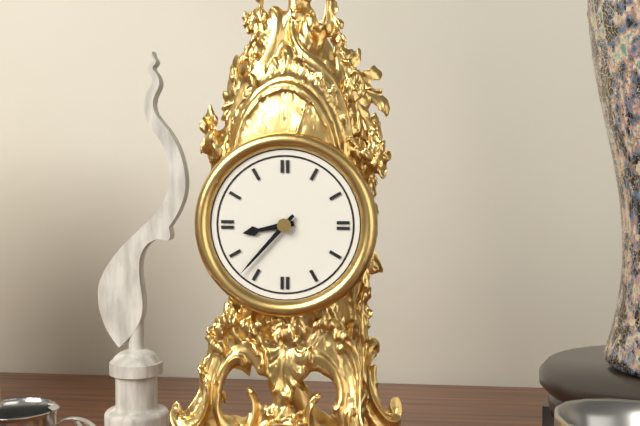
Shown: h=8 m=37
